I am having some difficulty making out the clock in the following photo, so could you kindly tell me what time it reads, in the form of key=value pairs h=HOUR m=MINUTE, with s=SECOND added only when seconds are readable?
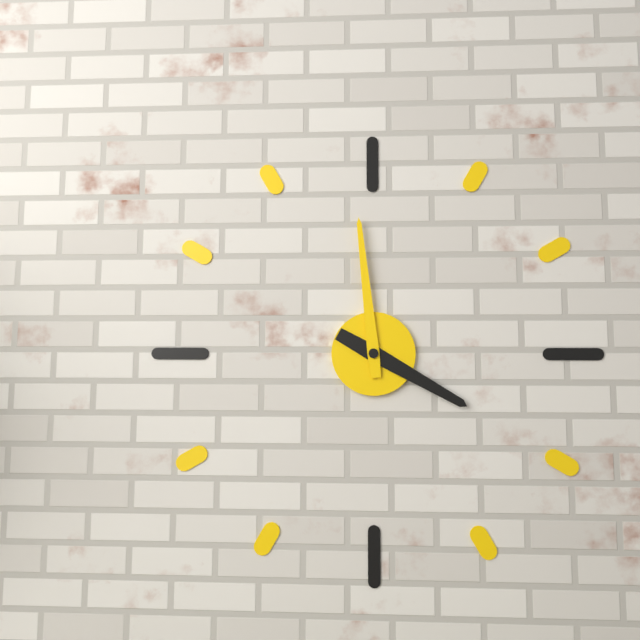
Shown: h=3 m=59
